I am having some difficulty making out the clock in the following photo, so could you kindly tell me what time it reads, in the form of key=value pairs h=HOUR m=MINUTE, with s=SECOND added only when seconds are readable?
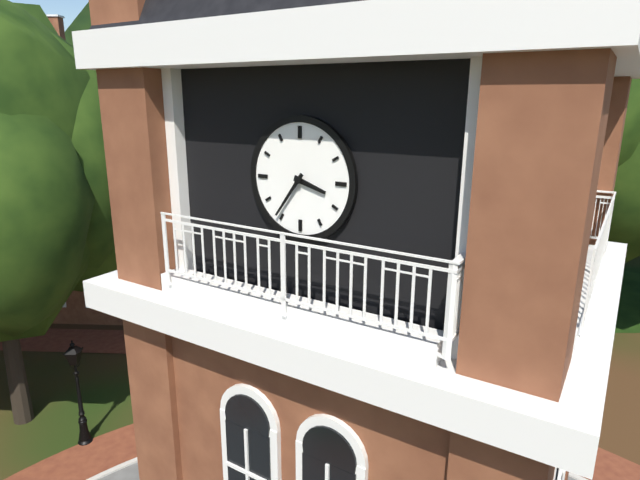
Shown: h=3 m=36
